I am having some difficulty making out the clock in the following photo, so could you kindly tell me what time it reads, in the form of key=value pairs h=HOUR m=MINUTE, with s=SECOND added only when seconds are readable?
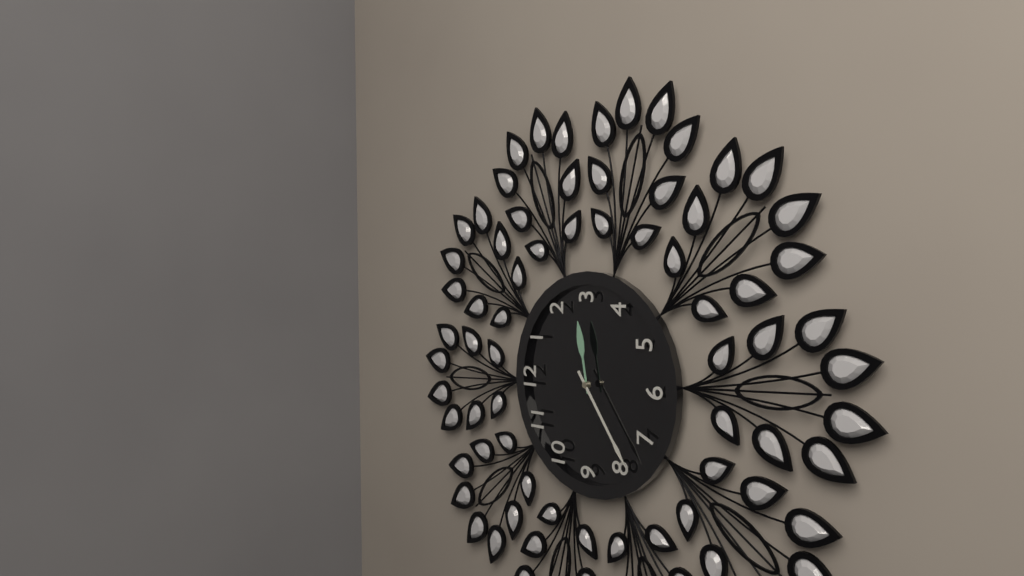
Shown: h=2 m=39
